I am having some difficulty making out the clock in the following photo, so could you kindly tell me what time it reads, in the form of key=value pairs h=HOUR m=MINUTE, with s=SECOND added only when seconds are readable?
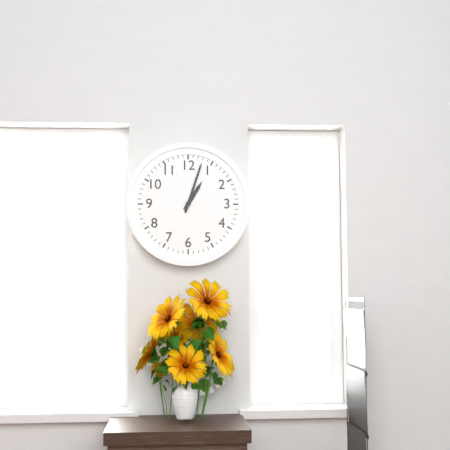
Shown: h=1 m=3
